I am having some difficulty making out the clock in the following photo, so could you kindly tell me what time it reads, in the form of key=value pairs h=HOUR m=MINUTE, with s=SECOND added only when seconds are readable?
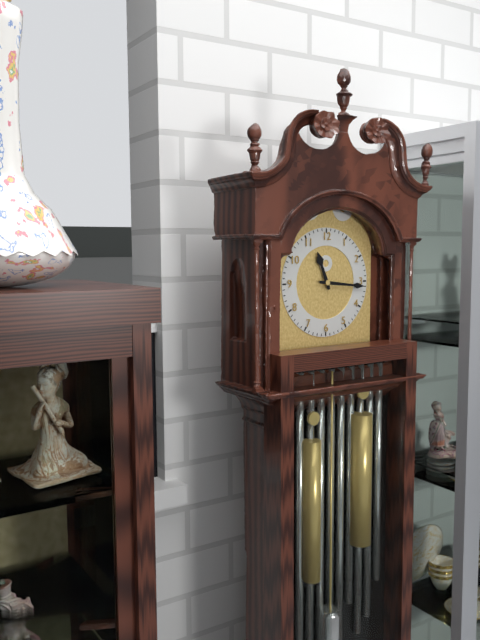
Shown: h=11 m=16
